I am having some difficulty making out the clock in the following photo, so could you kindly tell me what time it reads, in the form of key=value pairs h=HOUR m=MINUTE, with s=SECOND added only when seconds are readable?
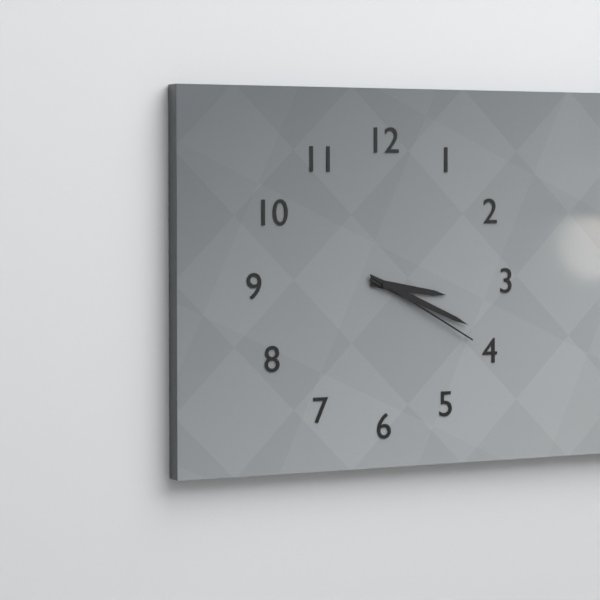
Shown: h=3 m=19 s=20
